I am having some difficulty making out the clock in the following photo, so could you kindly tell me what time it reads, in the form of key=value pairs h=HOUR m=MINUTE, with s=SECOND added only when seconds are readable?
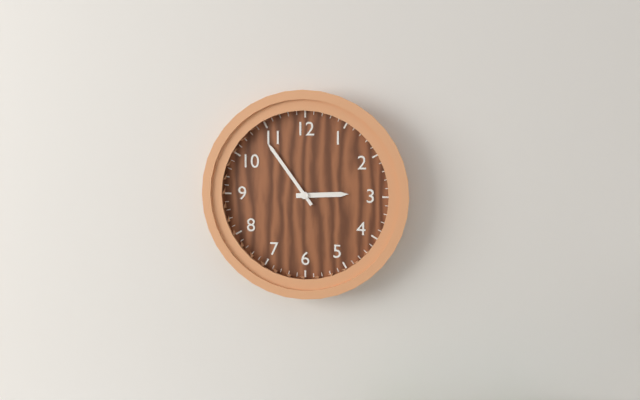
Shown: h=2 m=54
